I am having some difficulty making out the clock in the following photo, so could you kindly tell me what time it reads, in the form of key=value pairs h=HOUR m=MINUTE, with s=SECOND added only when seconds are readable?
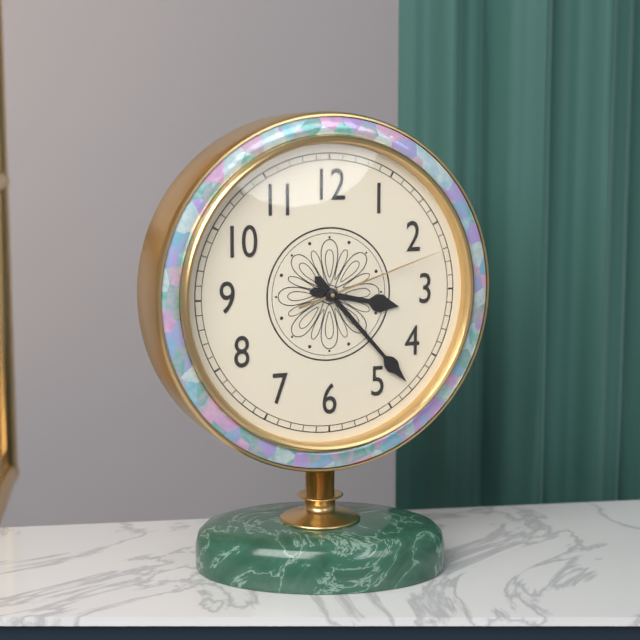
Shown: h=3 m=23 s=12
